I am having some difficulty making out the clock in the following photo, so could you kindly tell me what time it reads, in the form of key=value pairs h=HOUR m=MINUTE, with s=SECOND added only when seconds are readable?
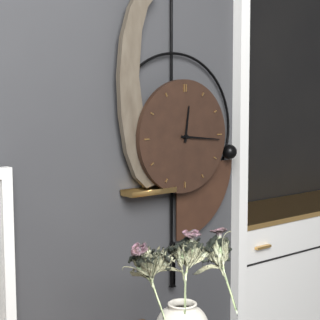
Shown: h=12 m=16
